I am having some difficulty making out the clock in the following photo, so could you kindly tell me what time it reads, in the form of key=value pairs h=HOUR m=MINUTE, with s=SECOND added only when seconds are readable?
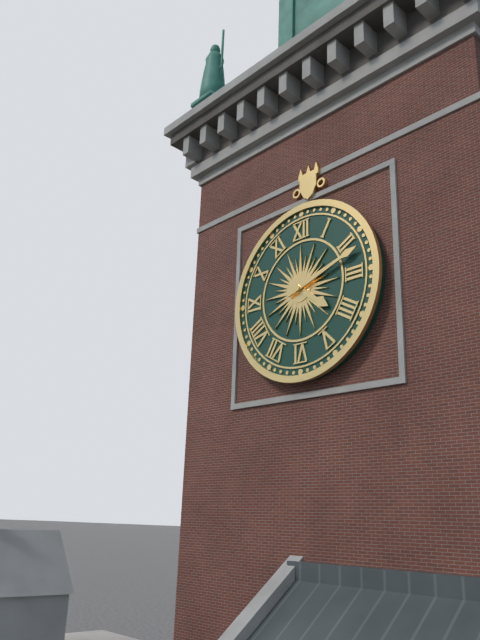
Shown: h=4 m=12
